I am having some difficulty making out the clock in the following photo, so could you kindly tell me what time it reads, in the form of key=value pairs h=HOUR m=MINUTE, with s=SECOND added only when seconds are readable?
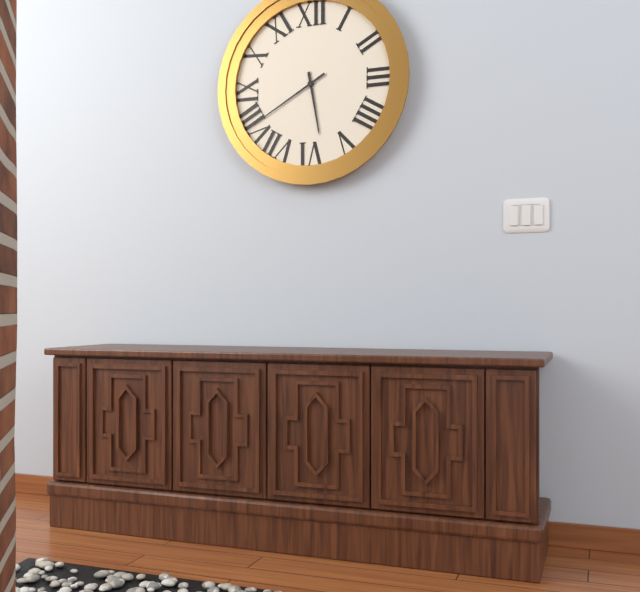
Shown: h=5 m=40
